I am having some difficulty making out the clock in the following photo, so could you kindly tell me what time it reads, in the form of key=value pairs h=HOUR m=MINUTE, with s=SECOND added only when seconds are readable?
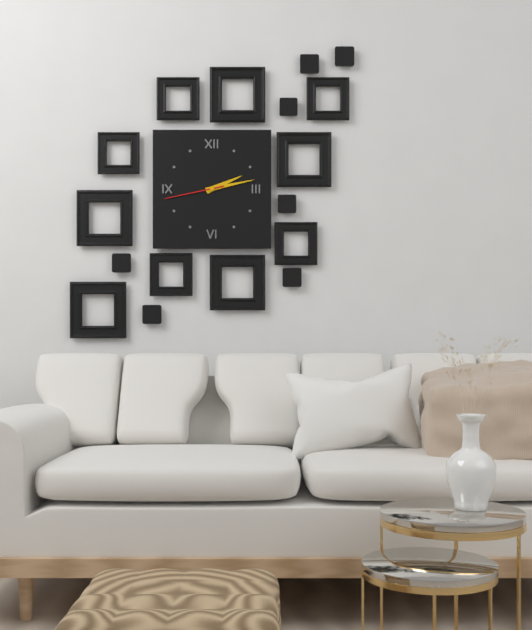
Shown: h=2 m=13 s=43
